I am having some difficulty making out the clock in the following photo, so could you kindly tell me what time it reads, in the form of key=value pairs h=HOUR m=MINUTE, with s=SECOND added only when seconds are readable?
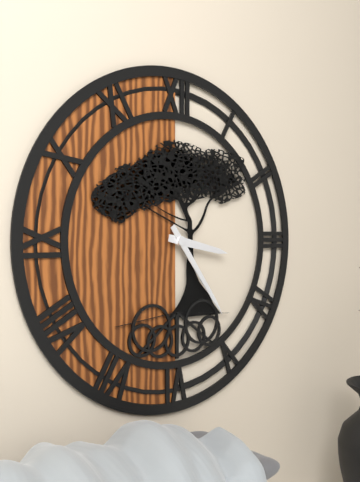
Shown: h=3 m=24
